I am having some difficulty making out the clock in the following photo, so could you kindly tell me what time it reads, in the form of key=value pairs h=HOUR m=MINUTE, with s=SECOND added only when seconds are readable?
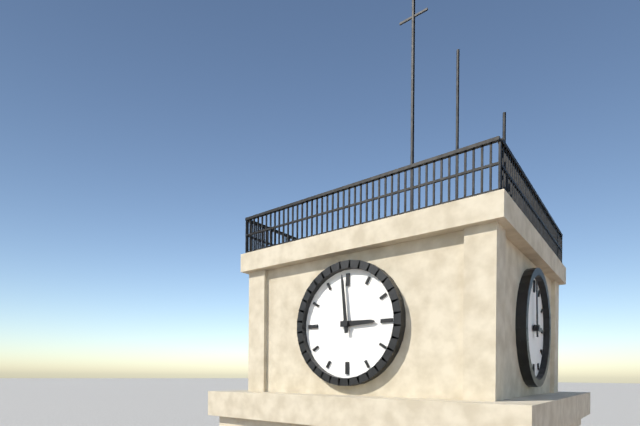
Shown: h=2 m=59
